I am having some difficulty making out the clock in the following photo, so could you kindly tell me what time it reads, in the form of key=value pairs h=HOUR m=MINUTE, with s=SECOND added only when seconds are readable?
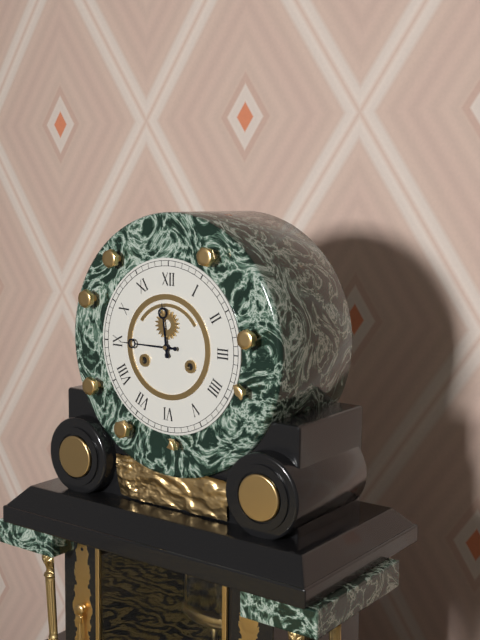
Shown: h=11 m=45
